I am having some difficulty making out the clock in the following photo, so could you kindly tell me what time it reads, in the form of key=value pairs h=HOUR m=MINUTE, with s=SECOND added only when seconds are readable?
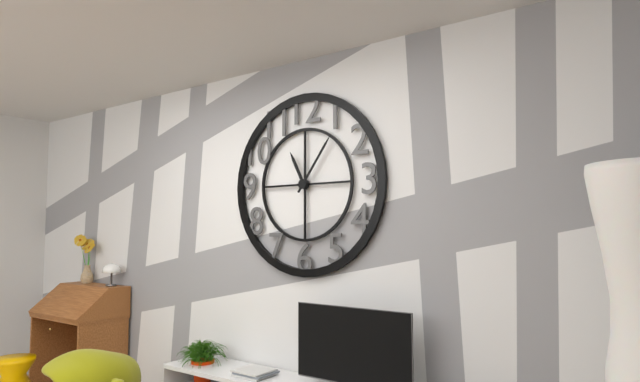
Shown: h=11 m=6
